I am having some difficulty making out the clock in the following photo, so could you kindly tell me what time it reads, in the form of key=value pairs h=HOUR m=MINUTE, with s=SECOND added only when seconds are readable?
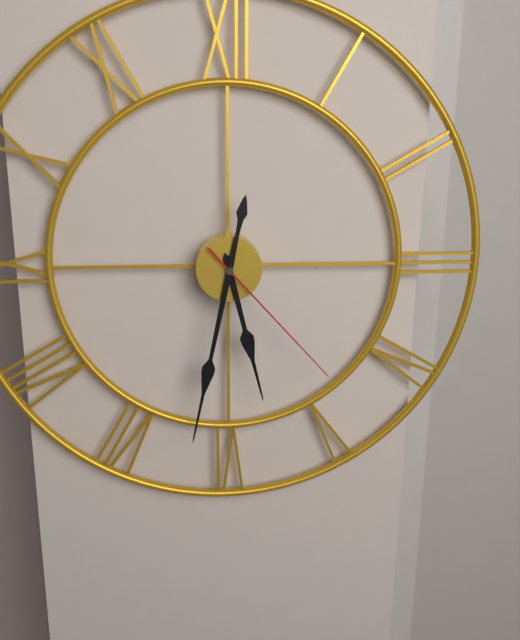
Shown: h=5 m=32 s=23
